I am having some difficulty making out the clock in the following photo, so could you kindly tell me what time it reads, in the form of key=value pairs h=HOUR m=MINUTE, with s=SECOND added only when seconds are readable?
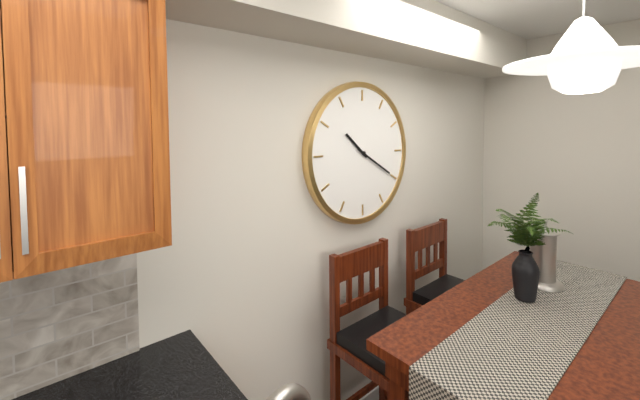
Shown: h=10 m=20
